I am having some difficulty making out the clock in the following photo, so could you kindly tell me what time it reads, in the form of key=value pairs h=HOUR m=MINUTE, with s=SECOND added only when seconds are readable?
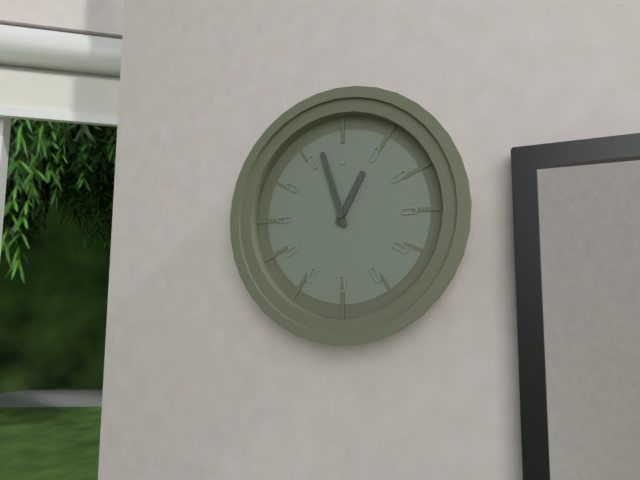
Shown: h=12 m=57
